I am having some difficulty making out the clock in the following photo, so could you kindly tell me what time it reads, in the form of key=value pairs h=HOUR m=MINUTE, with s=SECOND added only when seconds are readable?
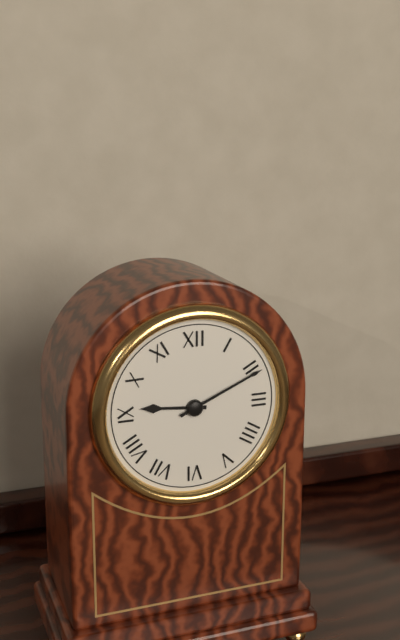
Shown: h=9 m=11
